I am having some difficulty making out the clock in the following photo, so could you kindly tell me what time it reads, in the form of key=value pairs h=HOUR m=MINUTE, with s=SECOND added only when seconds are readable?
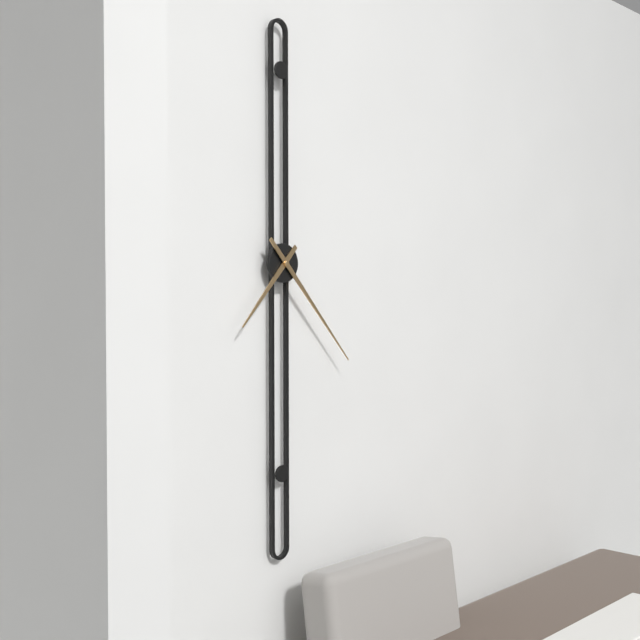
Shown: h=7 m=23
